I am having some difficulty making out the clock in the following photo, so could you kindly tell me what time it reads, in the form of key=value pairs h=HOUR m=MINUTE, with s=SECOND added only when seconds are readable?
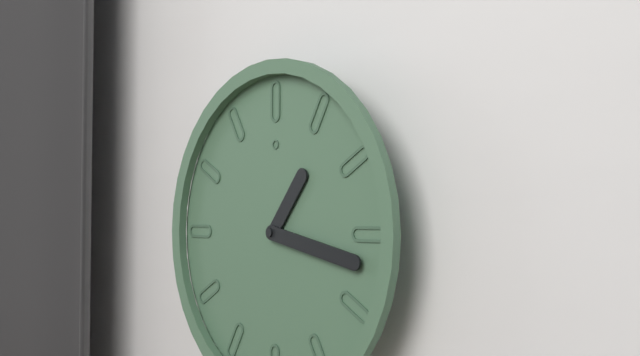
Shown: h=1 m=17
